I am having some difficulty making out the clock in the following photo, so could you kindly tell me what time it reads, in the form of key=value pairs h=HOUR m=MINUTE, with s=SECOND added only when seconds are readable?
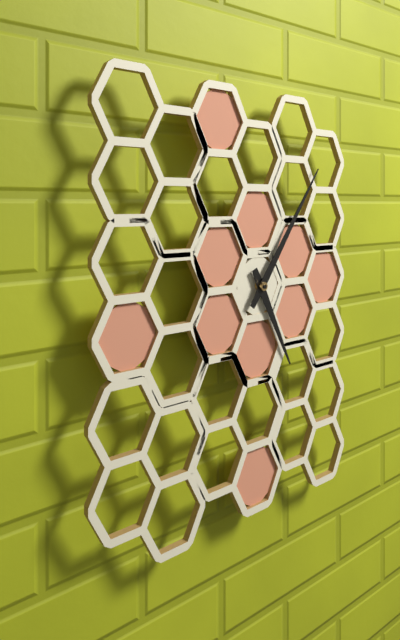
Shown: h=5 m=6
